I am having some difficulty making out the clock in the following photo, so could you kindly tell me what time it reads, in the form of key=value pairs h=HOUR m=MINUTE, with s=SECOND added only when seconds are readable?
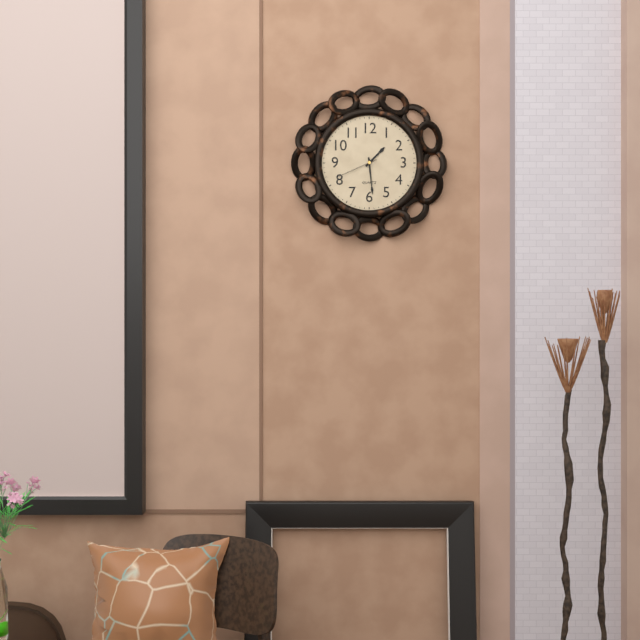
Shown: h=1 m=29
